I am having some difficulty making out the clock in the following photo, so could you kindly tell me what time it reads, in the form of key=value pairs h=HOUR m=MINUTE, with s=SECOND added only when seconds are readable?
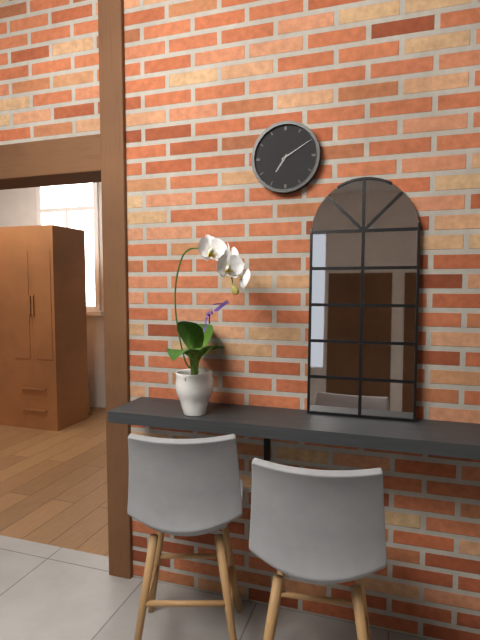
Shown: h=7 m=10
